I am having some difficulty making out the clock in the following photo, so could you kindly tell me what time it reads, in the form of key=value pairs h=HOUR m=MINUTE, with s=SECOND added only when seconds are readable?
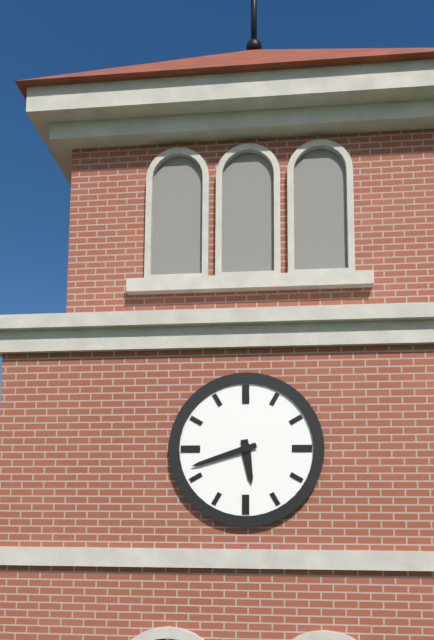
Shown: h=5 m=42
